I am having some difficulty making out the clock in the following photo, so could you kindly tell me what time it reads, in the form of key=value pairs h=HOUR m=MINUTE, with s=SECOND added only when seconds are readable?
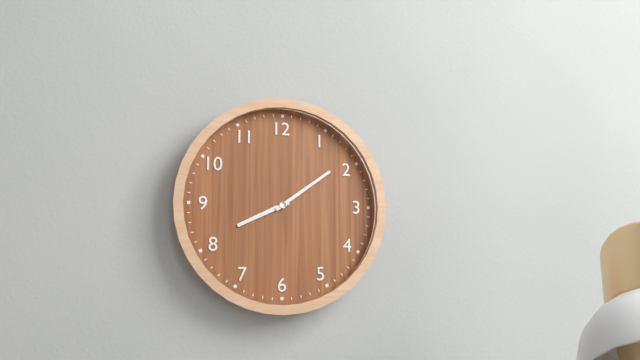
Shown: h=8 m=9
